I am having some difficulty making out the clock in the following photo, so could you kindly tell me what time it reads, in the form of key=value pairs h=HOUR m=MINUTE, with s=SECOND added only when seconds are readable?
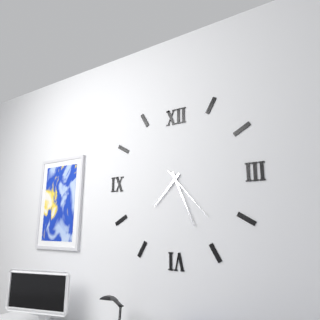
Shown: h=7 m=26 s=23
